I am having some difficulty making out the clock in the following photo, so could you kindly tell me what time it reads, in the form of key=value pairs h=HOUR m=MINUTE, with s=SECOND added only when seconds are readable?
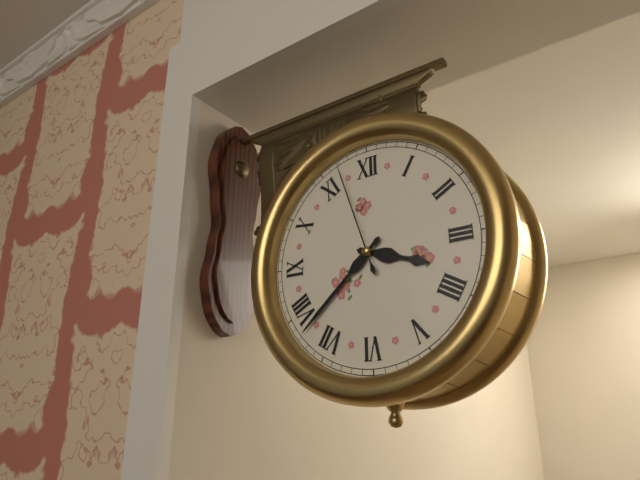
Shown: h=3 m=38 s=57
